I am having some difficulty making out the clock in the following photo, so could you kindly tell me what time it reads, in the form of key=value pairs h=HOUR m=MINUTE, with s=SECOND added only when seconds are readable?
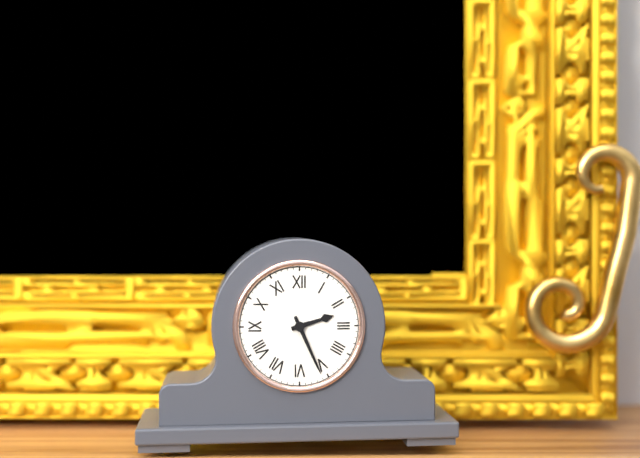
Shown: h=2 m=26
